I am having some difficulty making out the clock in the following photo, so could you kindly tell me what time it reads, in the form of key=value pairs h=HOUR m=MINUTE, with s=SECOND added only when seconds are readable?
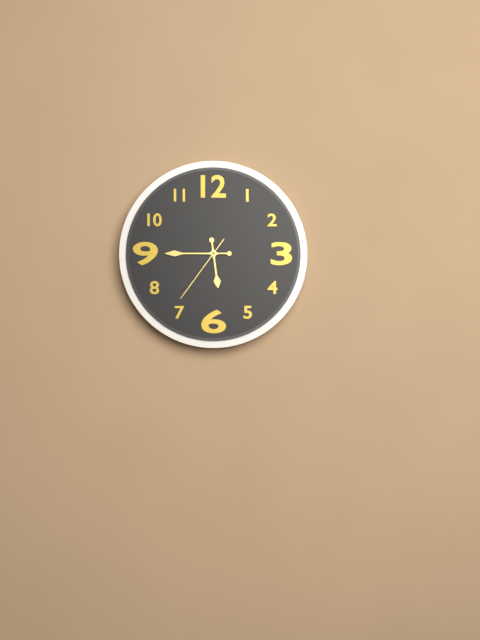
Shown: h=5 m=45 s=36
